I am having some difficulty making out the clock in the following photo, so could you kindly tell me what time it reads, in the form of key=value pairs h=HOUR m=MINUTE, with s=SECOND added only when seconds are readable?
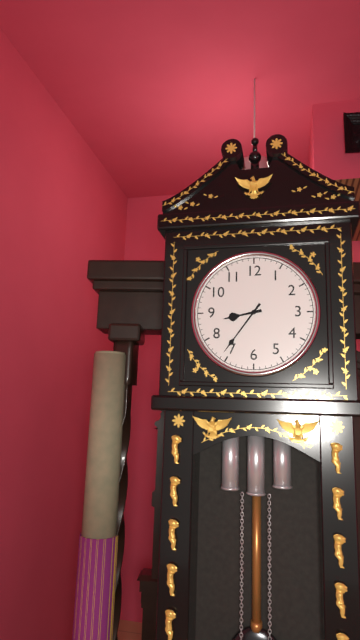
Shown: h=8 m=36
